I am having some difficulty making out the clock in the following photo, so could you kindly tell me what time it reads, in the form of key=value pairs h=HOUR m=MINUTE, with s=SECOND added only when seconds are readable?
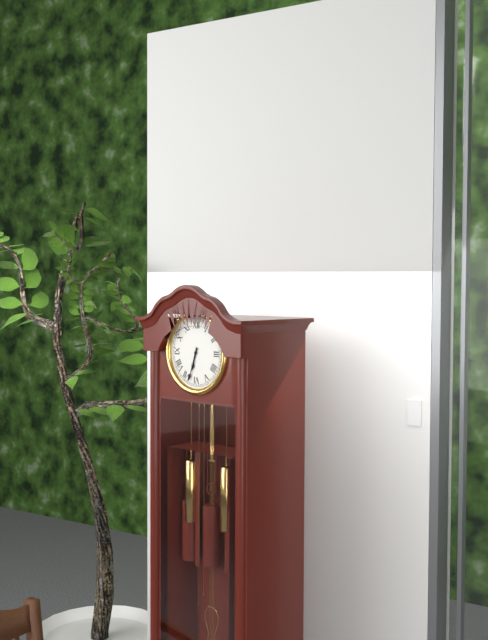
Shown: h=6 m=33
